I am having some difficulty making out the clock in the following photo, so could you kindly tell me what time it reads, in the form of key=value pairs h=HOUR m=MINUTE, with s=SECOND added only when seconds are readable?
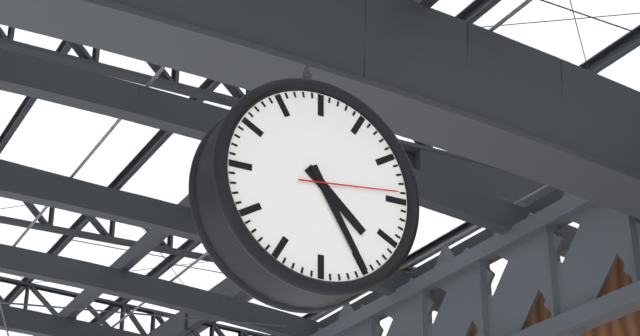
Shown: h=4 m=25 s=14
